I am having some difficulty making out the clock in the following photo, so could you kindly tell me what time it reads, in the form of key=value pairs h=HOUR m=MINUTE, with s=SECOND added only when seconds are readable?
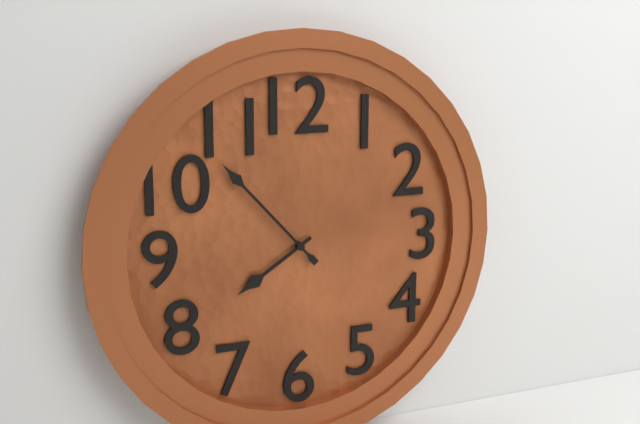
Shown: h=7 m=53
